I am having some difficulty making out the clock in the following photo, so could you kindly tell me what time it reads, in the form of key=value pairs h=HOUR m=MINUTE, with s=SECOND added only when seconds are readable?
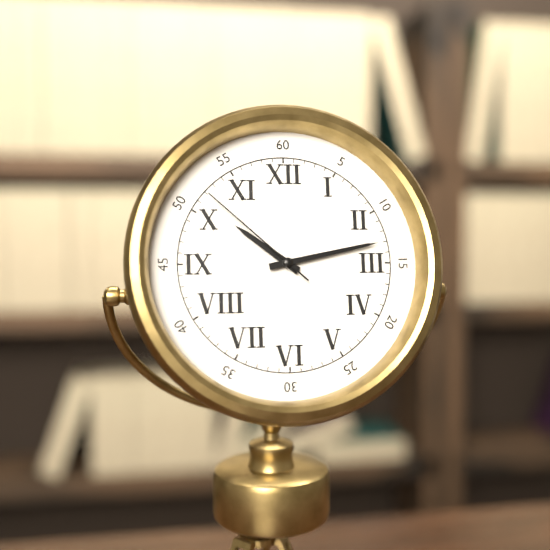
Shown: h=10 m=13 s=52
